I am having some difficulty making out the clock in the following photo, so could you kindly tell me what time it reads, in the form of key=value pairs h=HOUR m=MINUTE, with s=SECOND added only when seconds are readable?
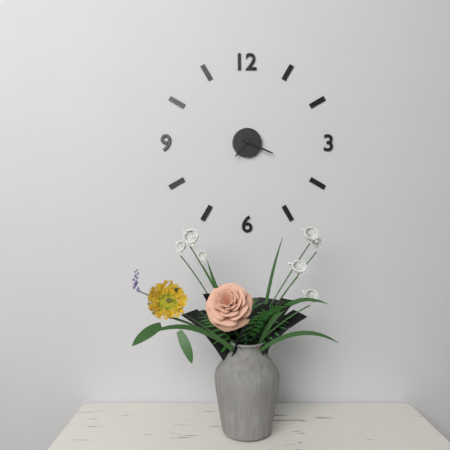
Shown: h=7 m=19
